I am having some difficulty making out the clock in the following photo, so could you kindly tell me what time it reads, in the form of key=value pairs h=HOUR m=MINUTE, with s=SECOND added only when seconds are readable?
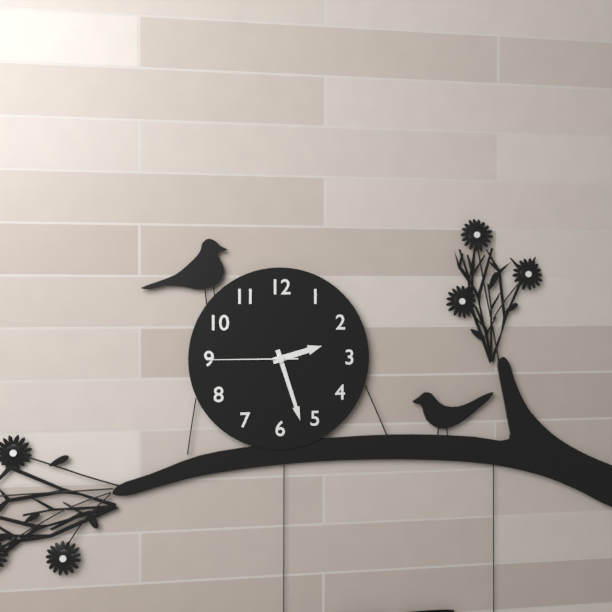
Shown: h=2 m=27 s=45
